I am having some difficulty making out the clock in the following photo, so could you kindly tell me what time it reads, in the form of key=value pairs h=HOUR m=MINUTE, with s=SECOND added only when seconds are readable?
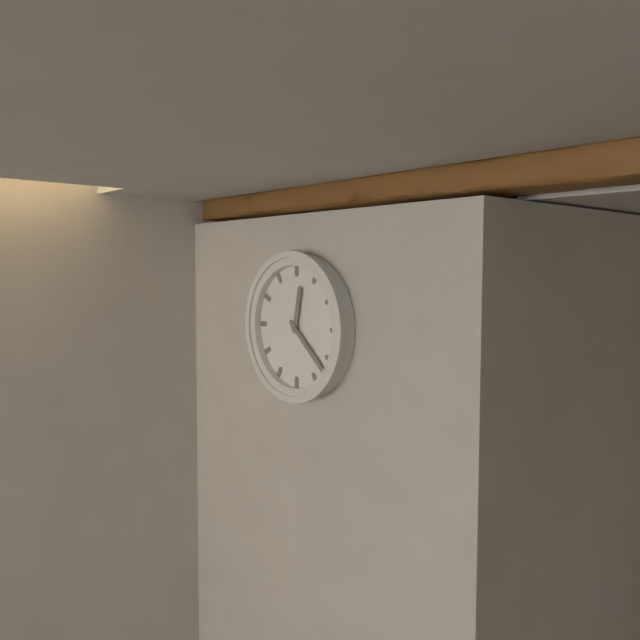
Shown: h=12 m=22
